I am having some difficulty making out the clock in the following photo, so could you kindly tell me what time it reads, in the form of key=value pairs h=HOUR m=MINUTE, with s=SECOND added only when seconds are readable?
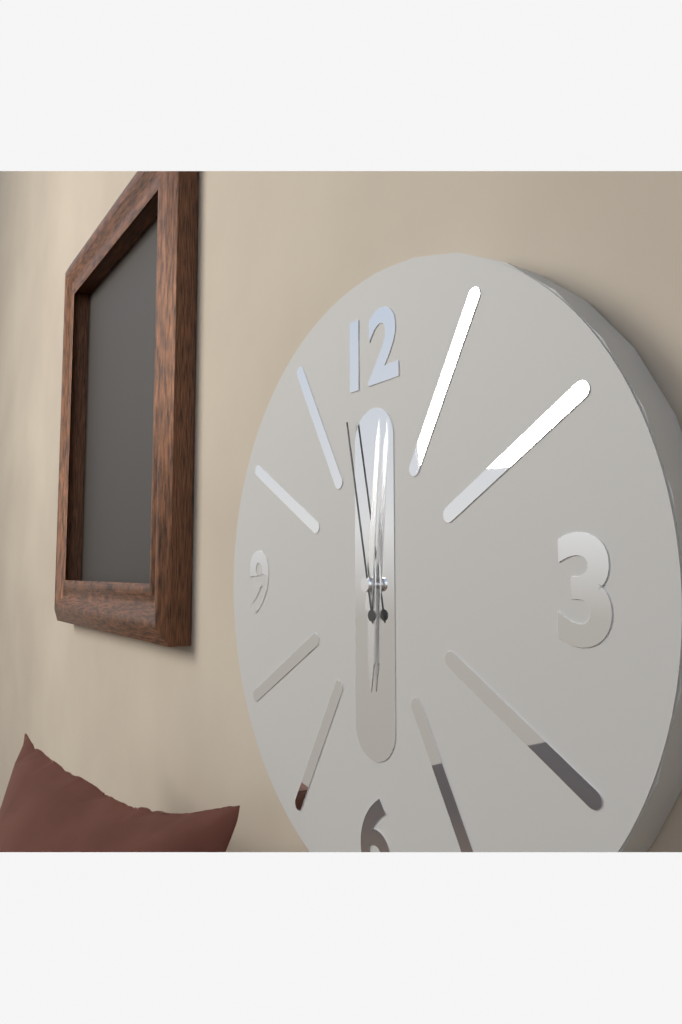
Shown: h=6 m=1 s=58
